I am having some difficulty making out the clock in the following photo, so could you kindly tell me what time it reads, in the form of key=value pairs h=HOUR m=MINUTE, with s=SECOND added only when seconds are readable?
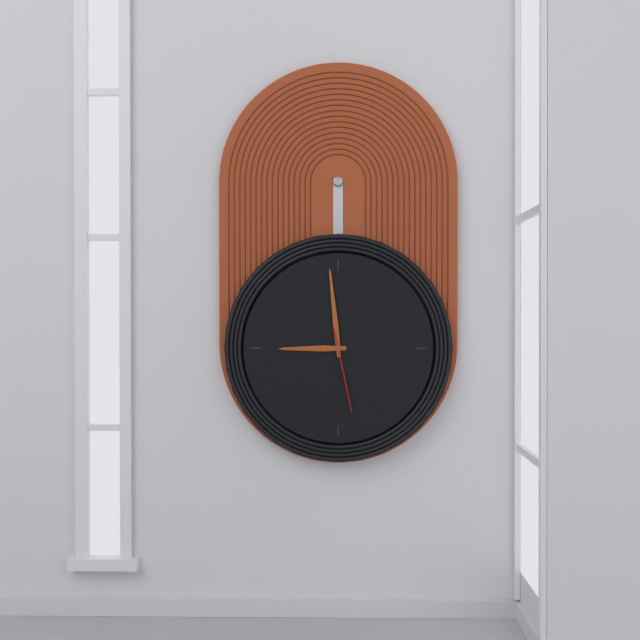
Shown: h=8 m=59 s=28
